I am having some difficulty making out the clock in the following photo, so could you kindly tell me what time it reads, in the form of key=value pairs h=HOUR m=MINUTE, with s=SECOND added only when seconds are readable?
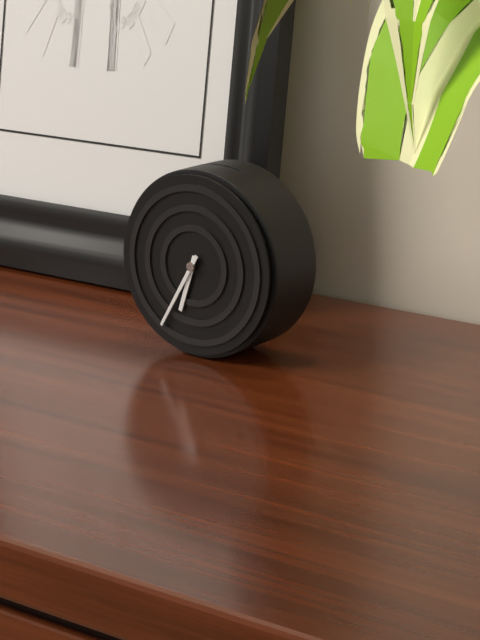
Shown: h=6 m=35
